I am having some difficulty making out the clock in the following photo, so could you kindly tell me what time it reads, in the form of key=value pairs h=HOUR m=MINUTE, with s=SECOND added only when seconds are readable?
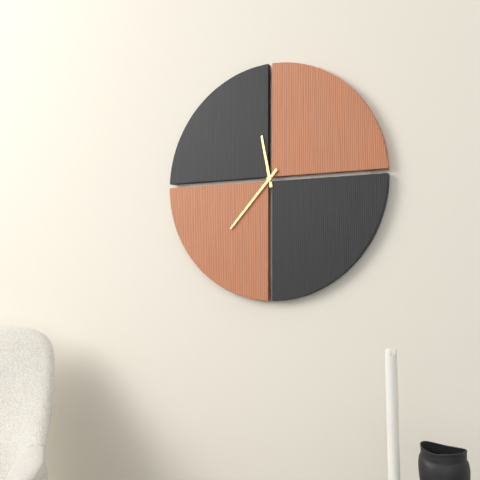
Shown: h=11 m=37
